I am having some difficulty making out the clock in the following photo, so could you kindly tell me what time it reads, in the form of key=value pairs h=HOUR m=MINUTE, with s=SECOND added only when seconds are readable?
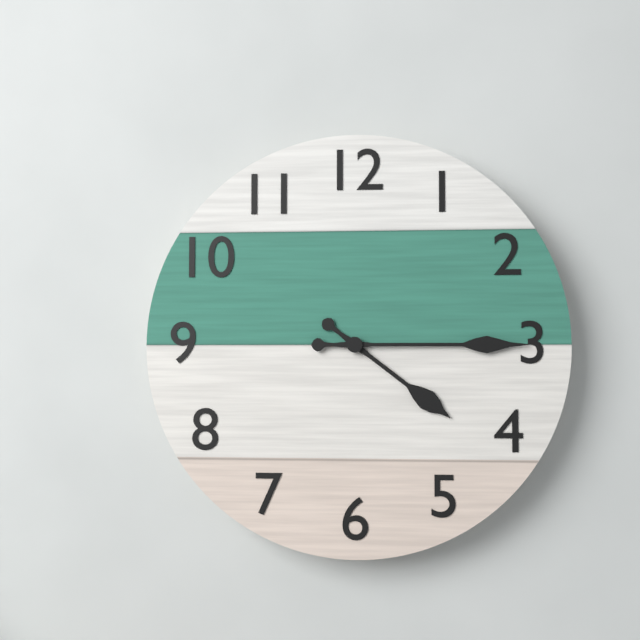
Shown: h=4 m=15
